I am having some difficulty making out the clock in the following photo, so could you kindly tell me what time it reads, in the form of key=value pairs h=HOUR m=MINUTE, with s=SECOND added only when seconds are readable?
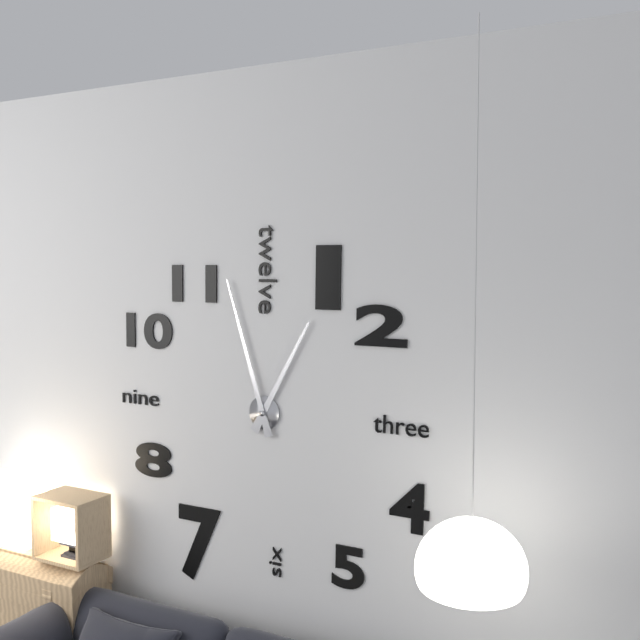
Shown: h=12 m=57
